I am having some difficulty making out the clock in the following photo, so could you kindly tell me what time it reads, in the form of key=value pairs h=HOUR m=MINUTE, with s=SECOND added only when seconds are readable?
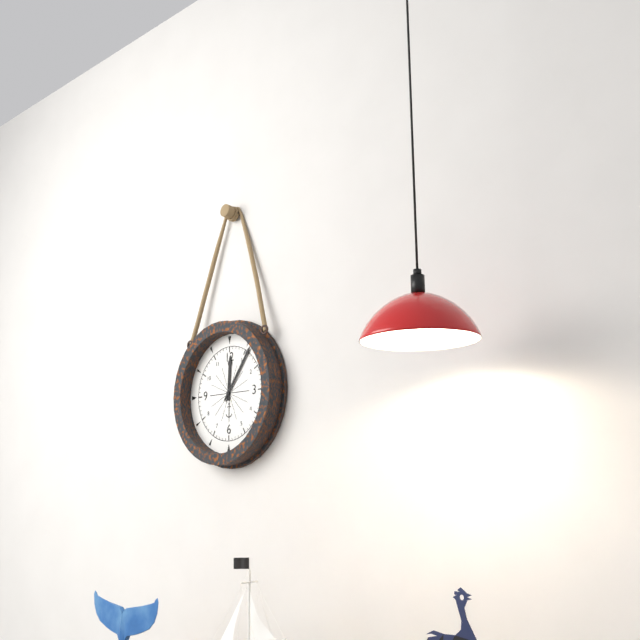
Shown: h=12 m=6
